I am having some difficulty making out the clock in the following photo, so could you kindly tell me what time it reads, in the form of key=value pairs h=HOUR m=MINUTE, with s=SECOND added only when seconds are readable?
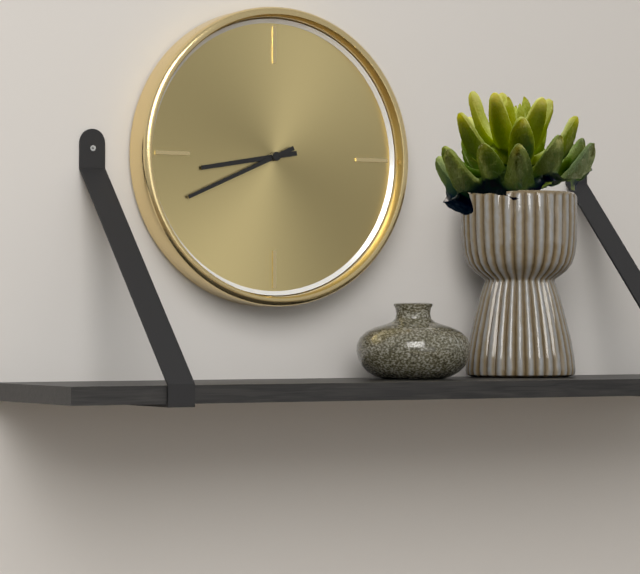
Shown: h=8 m=41
